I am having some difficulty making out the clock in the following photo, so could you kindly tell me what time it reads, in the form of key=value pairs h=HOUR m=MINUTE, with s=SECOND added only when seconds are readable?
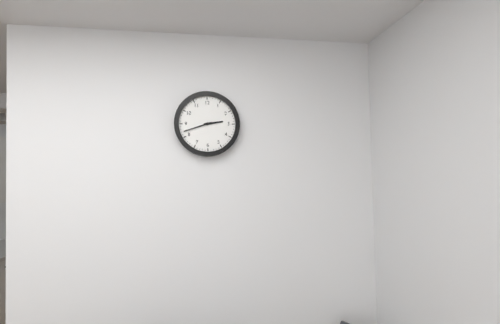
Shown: h=2 m=42
